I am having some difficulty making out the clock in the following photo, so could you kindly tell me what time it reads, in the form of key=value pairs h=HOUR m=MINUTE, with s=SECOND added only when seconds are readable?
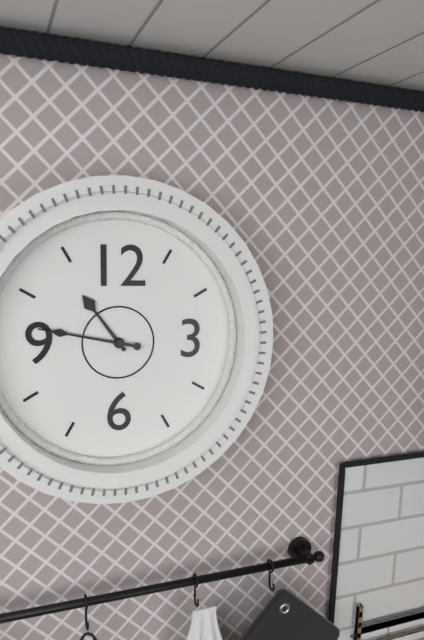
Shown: h=10 m=47
